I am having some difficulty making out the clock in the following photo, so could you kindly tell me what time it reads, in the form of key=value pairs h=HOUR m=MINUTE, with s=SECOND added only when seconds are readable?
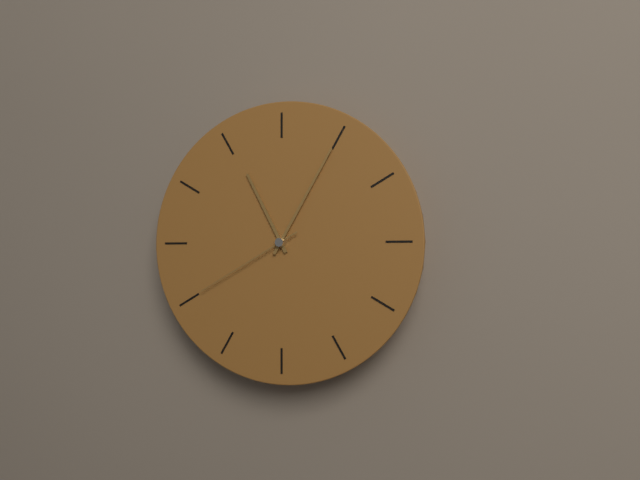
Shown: h=11 m=5 s=40
